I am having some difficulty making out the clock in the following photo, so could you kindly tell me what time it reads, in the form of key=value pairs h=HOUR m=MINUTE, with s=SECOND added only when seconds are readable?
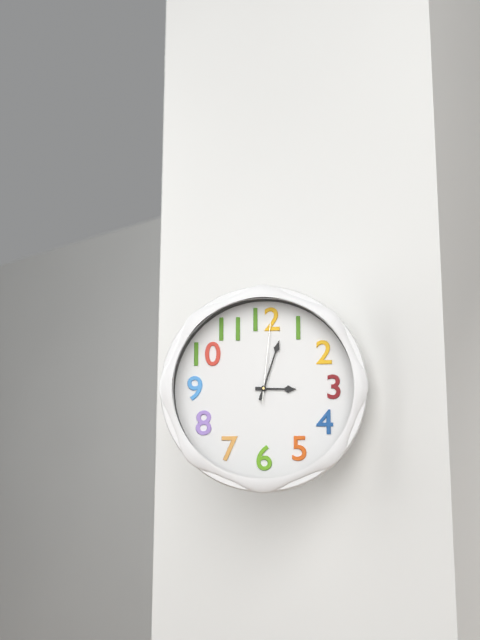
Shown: h=3 m=3 s=1
